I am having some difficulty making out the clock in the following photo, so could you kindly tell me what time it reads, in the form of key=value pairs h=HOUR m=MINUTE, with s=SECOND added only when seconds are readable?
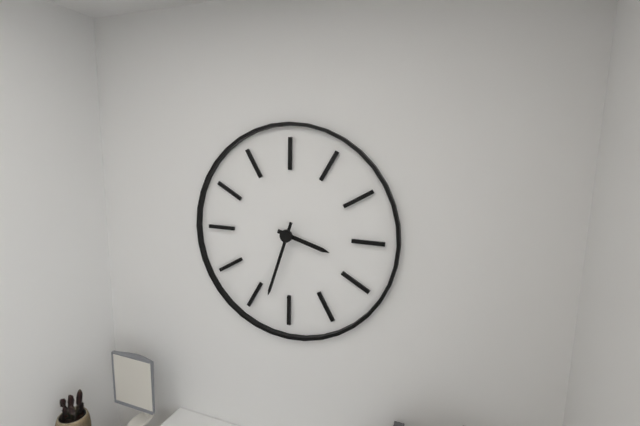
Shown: h=3 m=33
